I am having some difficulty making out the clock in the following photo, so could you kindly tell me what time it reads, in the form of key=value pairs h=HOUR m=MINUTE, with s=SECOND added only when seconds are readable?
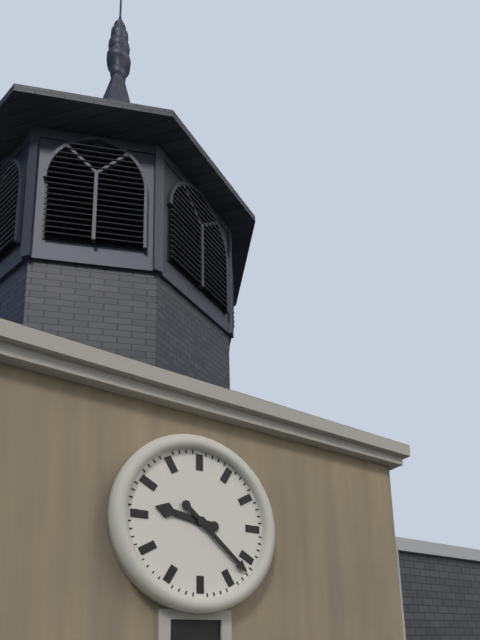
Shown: h=9 m=22
